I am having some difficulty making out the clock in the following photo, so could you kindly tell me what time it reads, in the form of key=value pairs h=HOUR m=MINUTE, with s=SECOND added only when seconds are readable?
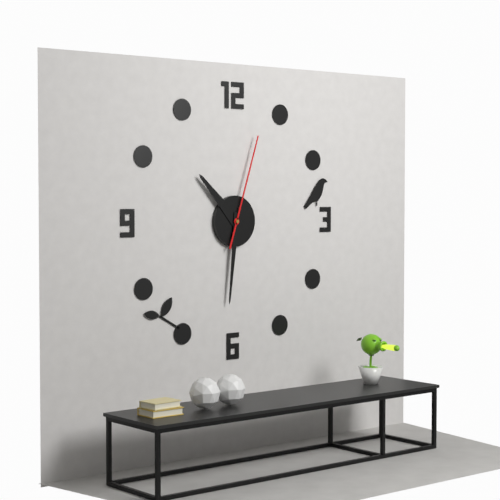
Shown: h=10 m=31 s=3
